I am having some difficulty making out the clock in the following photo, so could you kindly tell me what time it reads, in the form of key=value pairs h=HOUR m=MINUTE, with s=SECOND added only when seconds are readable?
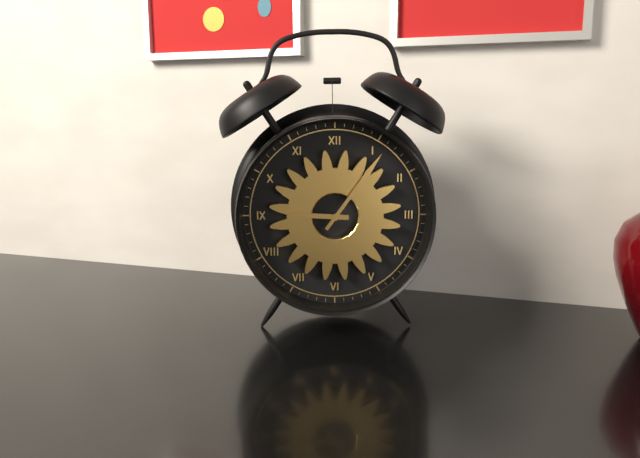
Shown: h=9 m=6
